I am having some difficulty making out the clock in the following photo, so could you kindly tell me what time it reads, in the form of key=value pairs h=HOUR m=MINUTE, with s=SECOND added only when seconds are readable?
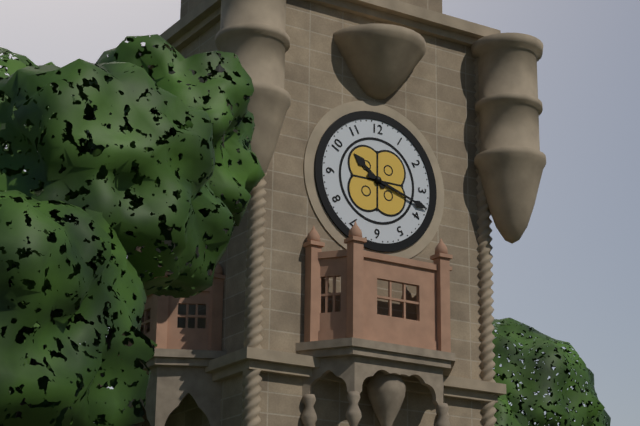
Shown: h=10 m=18
